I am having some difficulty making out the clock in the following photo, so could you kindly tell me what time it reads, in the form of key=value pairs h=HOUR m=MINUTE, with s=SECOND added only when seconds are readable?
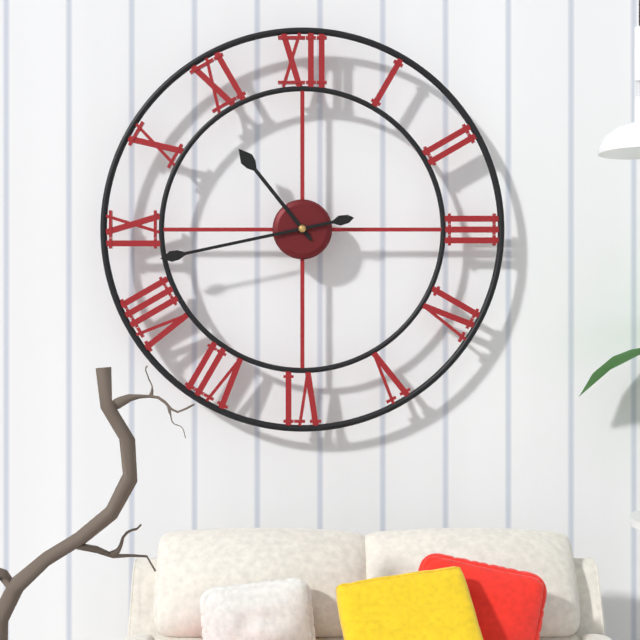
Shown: h=10 m=43
